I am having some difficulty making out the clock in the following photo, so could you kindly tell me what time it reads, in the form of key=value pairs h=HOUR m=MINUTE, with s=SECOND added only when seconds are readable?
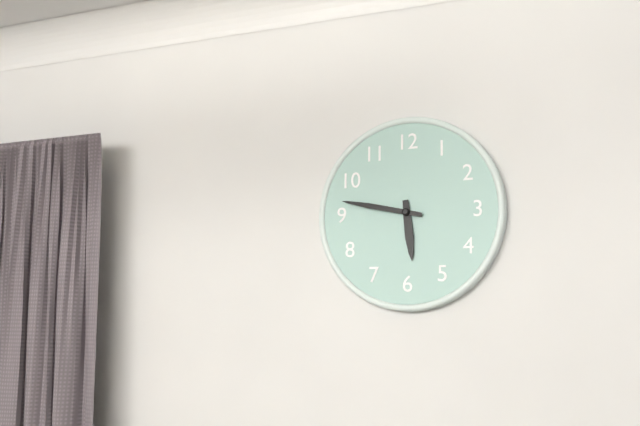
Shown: h=5 m=47
